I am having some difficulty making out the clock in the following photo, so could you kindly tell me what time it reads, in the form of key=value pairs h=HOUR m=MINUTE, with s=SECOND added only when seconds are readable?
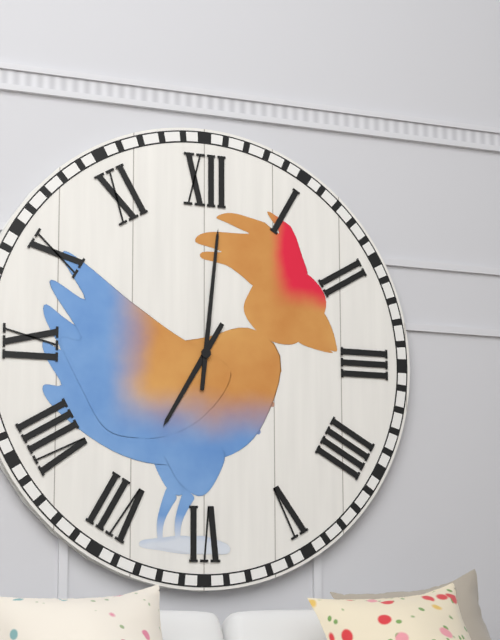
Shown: h=7 m=1
